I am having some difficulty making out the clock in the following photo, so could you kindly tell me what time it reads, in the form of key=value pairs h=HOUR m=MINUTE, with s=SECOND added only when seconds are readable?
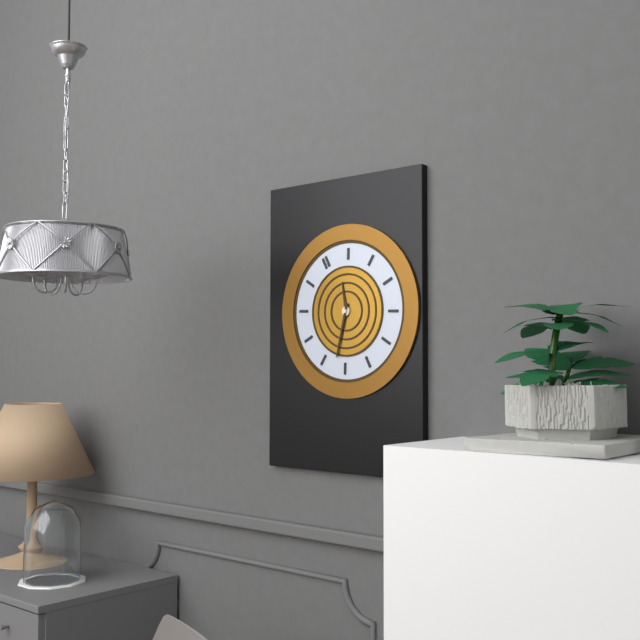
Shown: h=12 m=37
